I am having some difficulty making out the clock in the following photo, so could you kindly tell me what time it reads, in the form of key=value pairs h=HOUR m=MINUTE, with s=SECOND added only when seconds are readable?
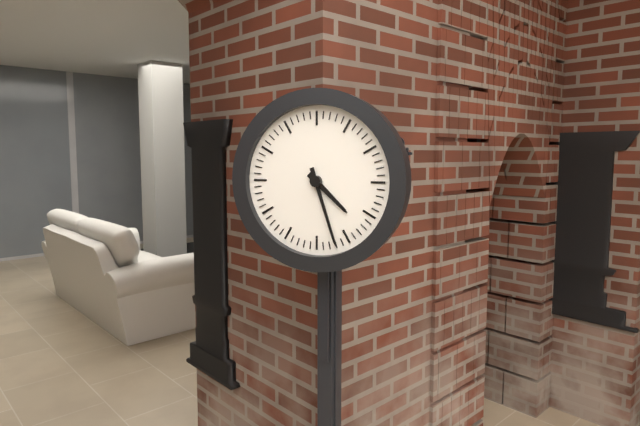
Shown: h=4 m=27
